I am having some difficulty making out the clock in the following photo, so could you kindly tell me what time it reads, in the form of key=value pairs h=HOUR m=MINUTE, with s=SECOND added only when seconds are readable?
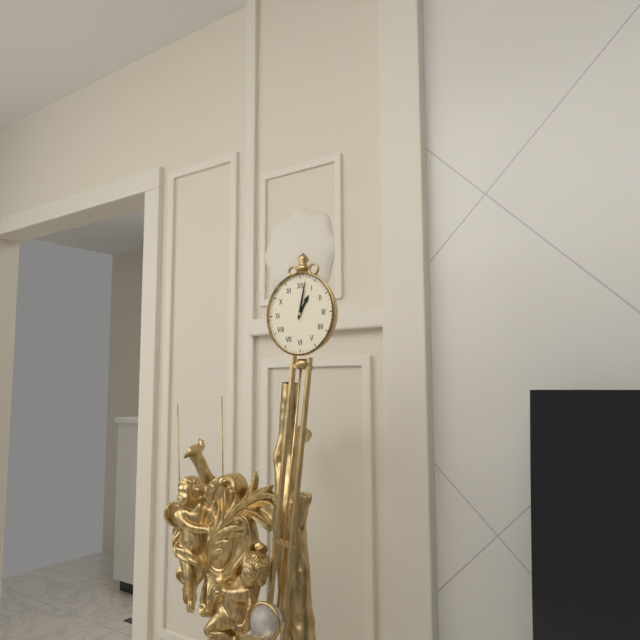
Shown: h=1 m=2
